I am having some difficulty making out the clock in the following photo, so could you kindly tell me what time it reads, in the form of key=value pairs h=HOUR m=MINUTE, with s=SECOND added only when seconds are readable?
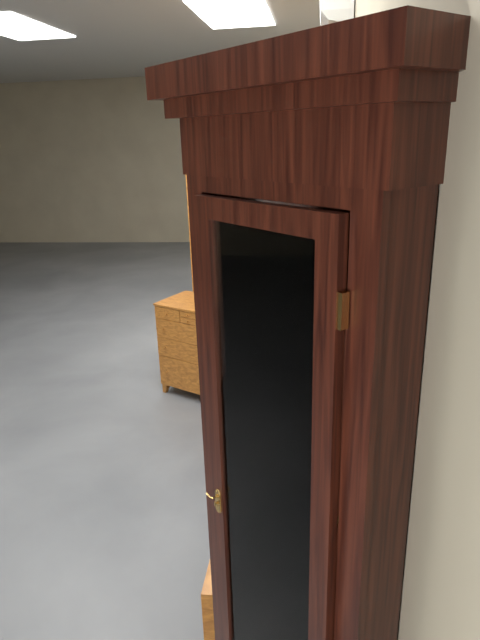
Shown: h=7 m=30
